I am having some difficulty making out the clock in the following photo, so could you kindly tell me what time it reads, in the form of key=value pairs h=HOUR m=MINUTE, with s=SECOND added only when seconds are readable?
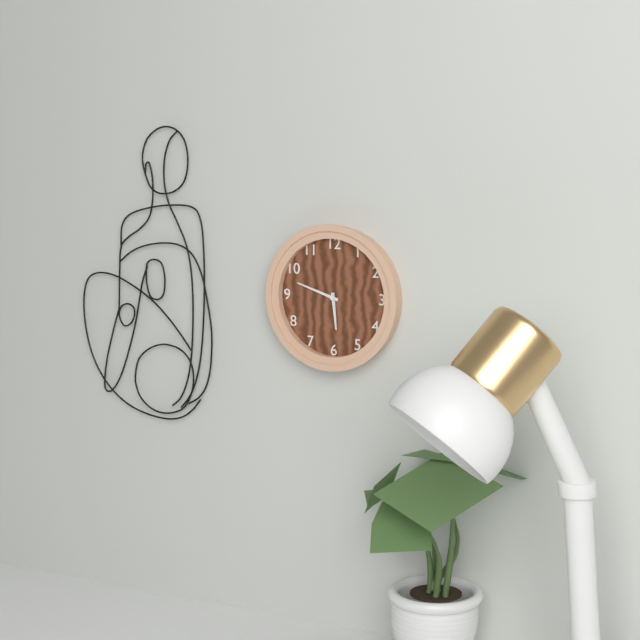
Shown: h=5 m=48
